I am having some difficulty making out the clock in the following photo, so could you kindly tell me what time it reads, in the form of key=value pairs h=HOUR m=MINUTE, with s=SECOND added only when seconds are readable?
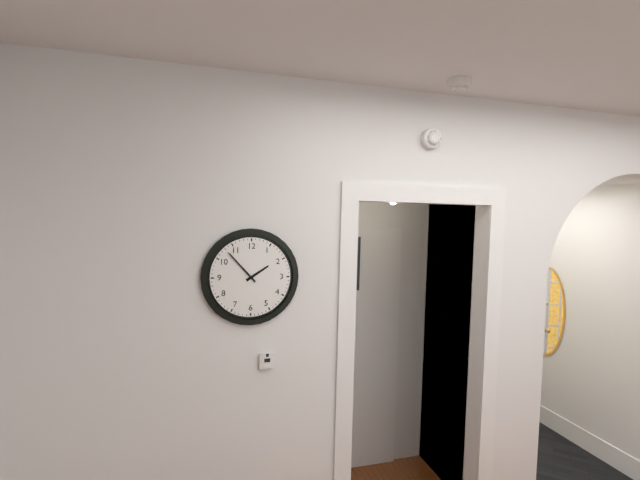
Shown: h=1 m=53
